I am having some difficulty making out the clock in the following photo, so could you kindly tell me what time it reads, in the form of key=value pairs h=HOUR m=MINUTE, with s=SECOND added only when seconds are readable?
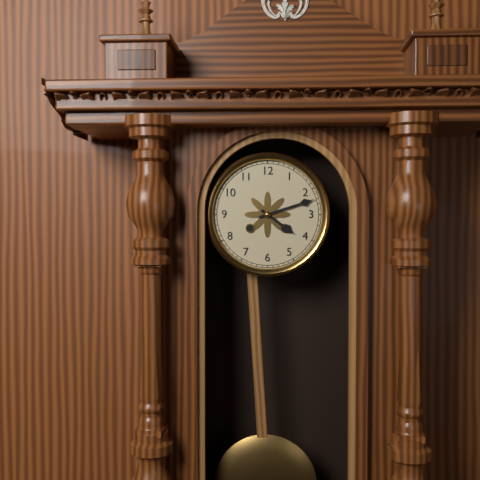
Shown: h=4 m=12
